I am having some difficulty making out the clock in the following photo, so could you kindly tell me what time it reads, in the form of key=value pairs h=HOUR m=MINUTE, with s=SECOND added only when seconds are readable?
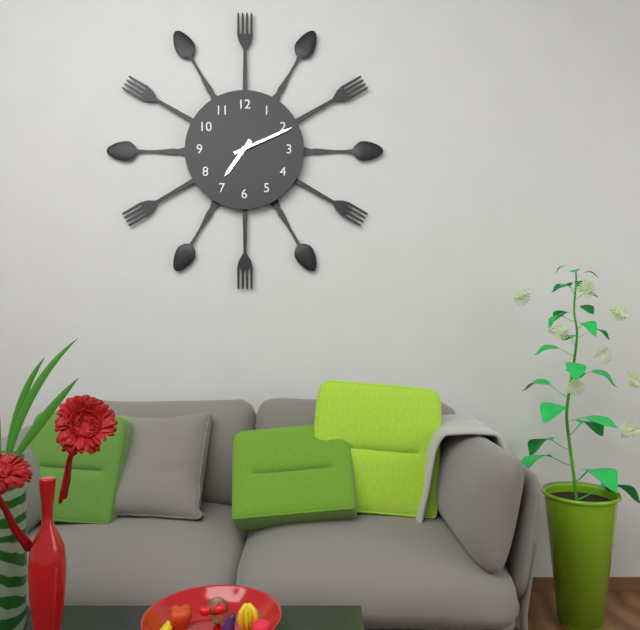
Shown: h=7 m=11
